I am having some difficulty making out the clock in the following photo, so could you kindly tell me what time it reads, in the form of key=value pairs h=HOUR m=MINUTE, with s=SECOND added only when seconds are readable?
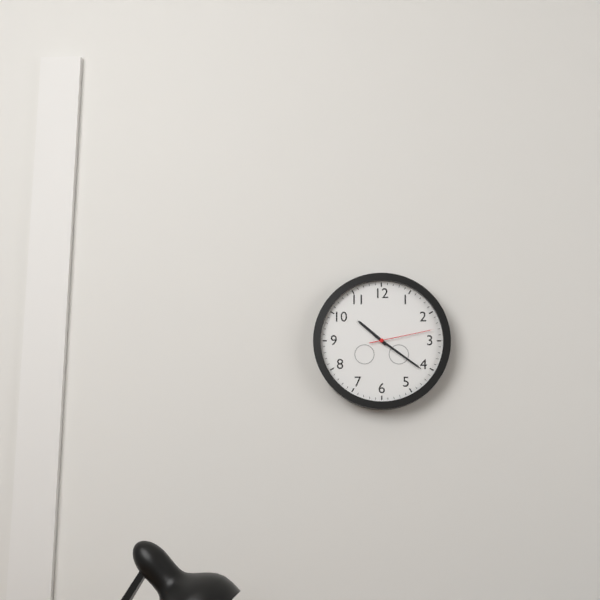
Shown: h=10 m=21 s=13
